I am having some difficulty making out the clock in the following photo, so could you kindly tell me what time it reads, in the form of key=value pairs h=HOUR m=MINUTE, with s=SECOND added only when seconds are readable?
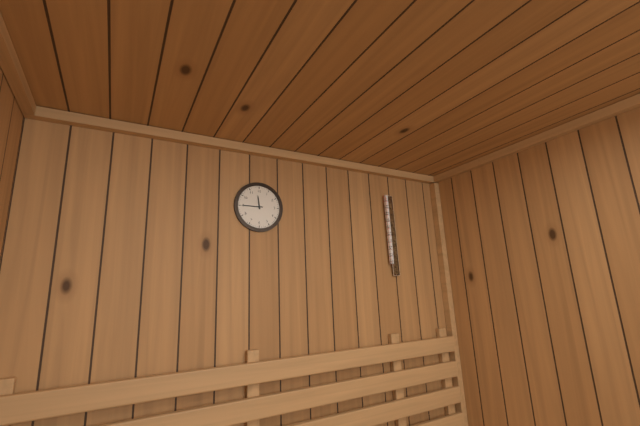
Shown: h=11 m=45
